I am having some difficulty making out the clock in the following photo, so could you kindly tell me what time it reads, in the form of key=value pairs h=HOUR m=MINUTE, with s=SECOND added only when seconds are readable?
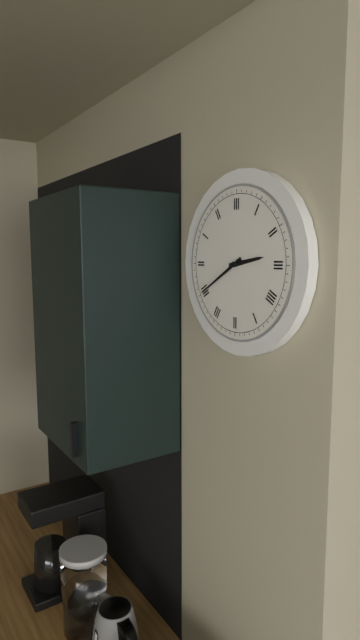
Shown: h=2 m=40
